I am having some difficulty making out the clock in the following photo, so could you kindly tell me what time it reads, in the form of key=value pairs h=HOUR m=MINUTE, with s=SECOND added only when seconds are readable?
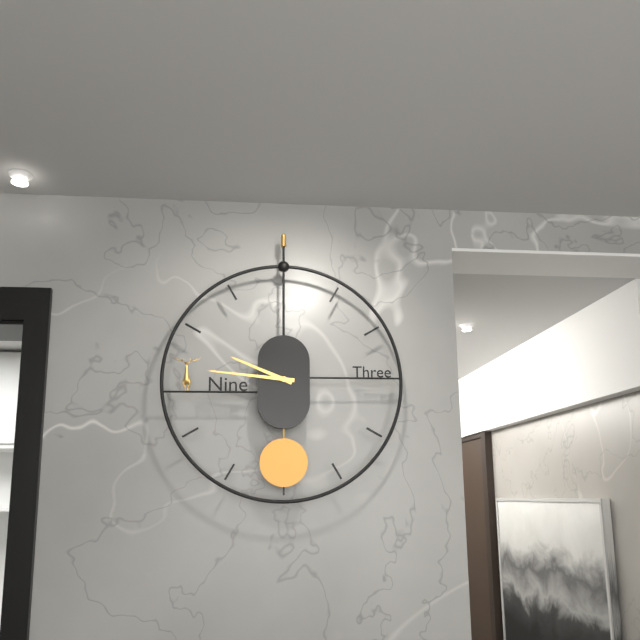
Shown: h=9 m=46
